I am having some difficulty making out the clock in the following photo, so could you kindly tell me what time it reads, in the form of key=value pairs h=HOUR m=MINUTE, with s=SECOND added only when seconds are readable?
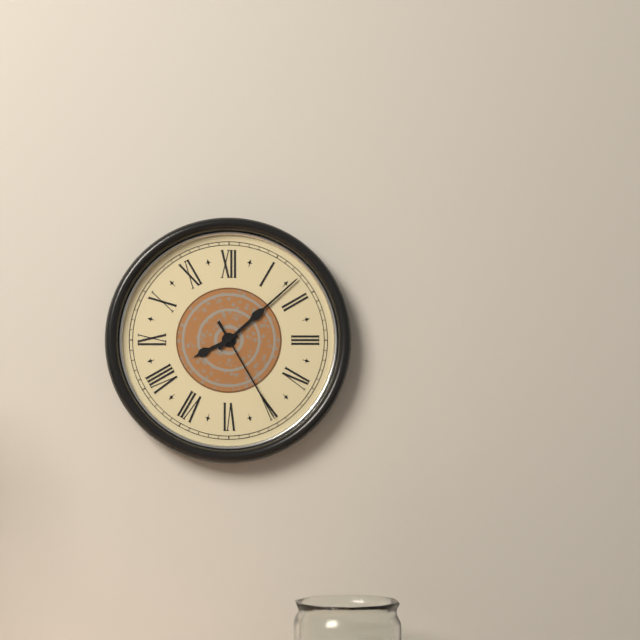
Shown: h=8 m=8 s=25
